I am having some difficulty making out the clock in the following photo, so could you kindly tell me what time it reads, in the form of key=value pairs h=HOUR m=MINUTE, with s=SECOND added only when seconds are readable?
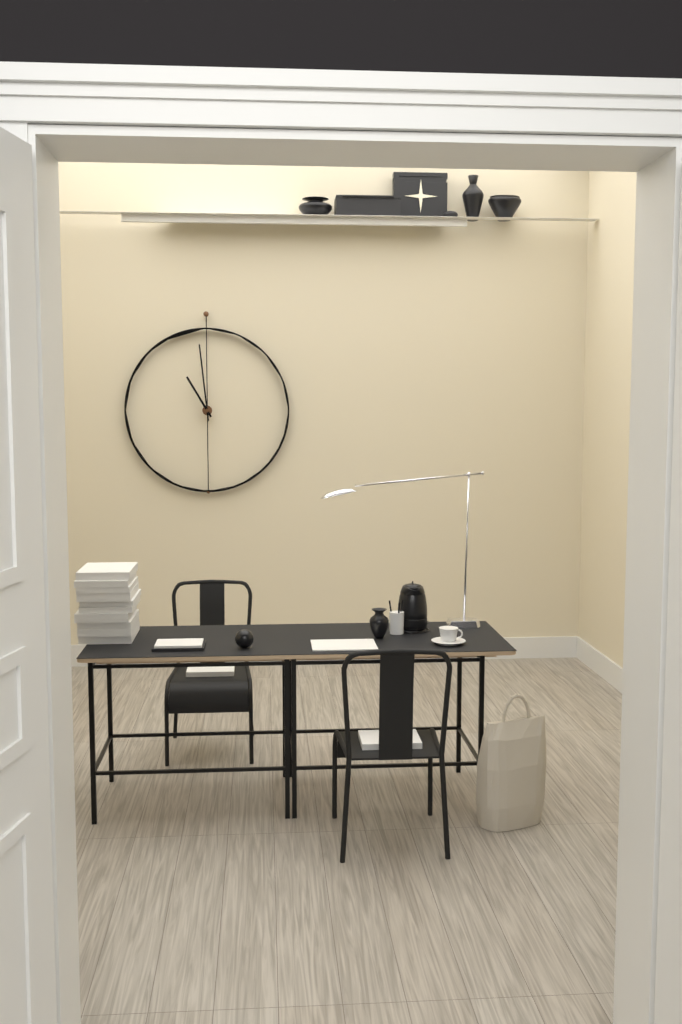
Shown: h=10 m=59
